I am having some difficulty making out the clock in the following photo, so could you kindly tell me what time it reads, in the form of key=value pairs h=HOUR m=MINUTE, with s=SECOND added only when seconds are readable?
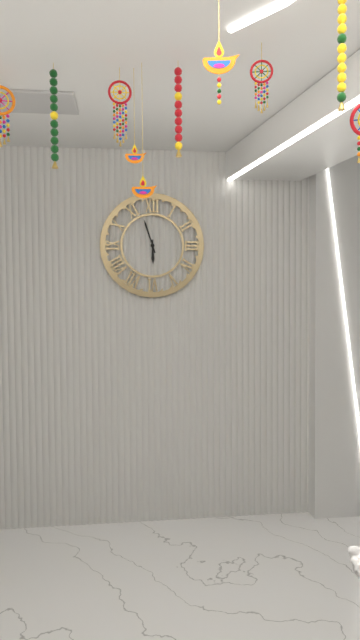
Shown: h=5 m=57
